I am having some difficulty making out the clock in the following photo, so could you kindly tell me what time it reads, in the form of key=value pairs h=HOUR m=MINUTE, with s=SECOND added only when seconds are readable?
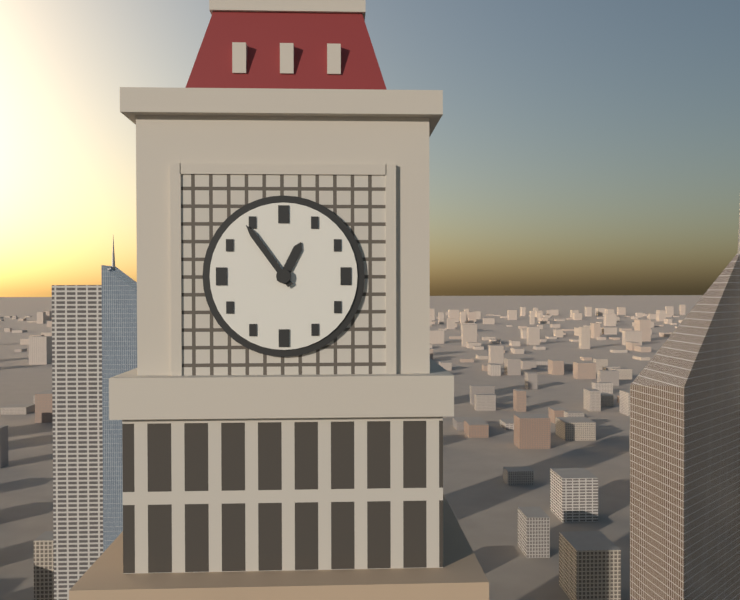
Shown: h=12 m=54
